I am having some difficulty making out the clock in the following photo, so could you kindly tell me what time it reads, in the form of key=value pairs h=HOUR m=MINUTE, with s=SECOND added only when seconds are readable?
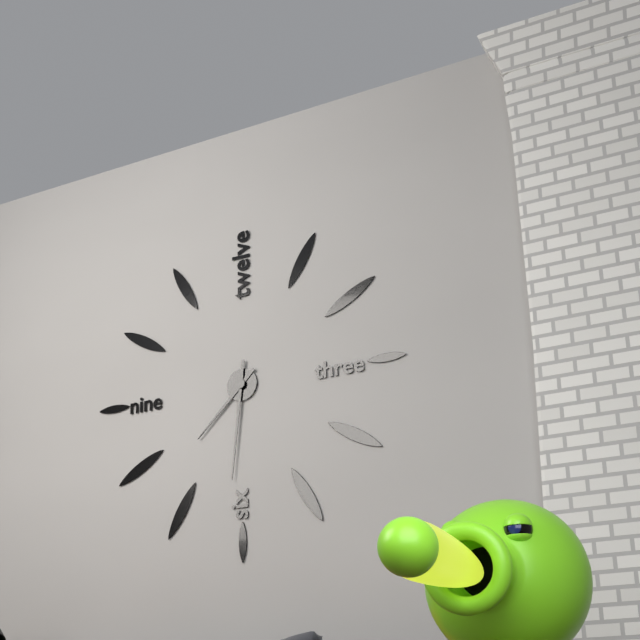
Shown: h=7 m=31
